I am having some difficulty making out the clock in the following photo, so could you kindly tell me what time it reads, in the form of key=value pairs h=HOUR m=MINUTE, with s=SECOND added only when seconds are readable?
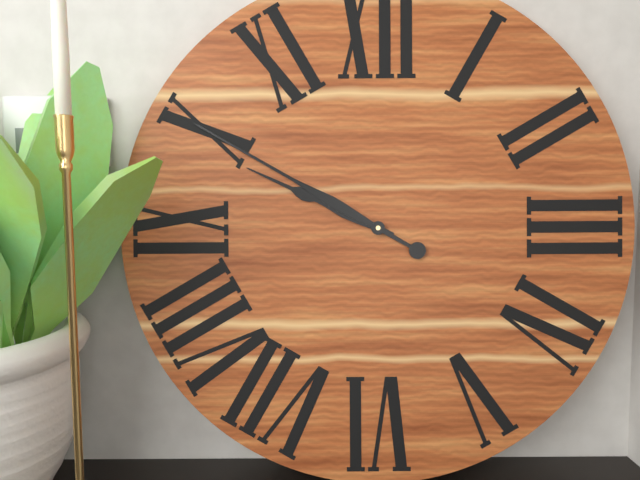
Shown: h=9 m=50
